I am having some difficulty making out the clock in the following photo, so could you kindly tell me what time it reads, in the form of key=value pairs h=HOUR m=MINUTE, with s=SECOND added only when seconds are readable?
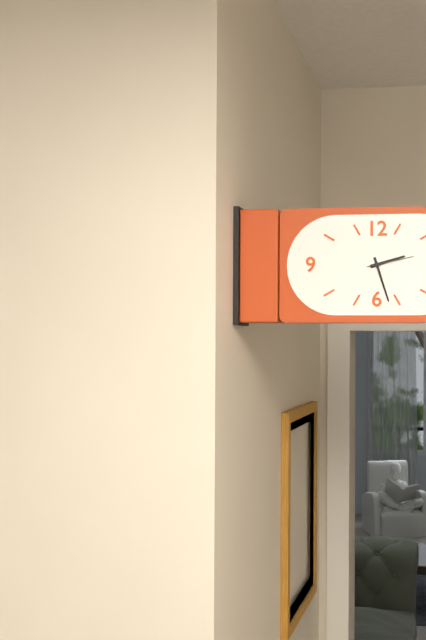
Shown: h=2 m=27
